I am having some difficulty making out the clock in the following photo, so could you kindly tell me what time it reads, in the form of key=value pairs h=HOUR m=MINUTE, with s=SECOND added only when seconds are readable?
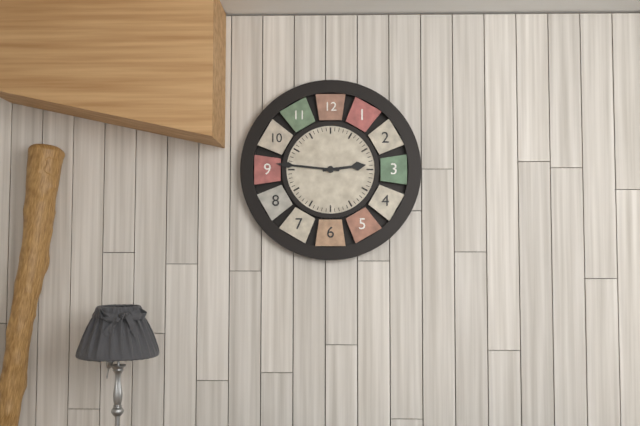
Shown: h=2 m=46
